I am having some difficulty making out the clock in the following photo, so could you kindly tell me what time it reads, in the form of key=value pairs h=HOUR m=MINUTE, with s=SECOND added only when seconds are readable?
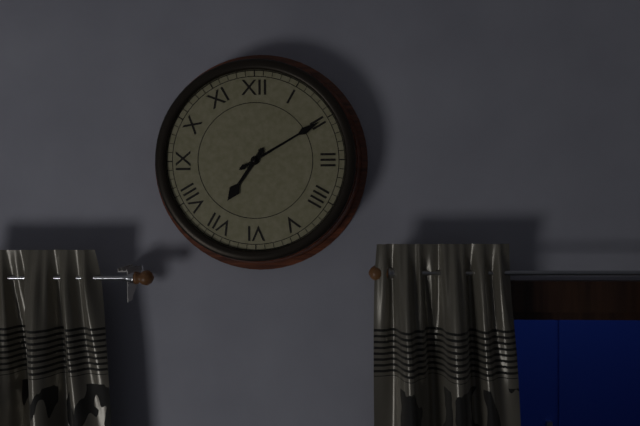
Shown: h=7 m=10
